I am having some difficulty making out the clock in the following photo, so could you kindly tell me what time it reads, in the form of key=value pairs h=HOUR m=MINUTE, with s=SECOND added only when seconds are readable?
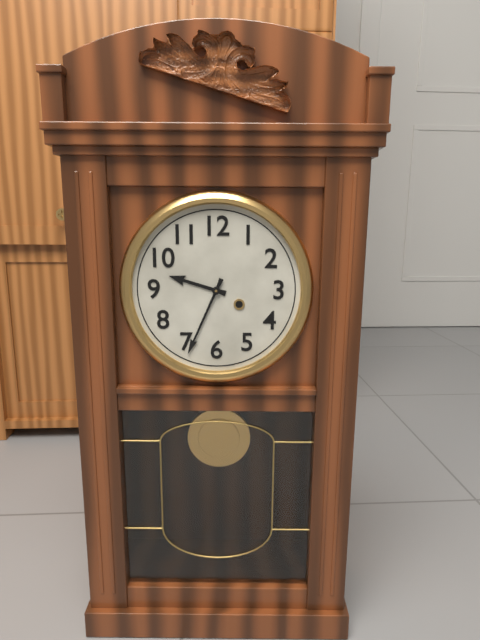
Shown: h=9 m=34
